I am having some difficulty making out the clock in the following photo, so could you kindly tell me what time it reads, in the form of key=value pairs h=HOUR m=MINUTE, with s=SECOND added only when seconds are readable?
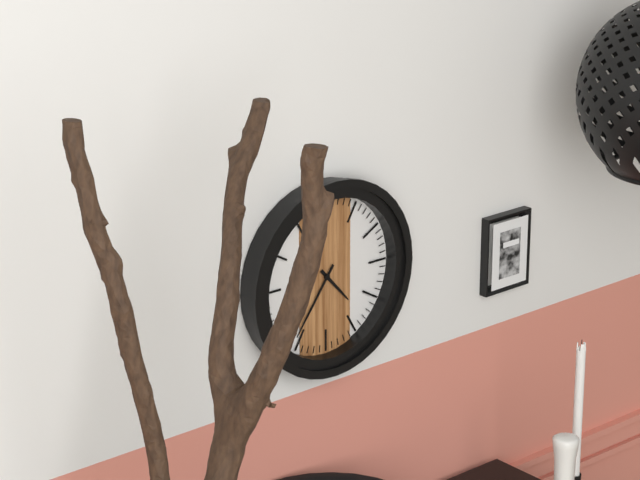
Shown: h=4 m=36
